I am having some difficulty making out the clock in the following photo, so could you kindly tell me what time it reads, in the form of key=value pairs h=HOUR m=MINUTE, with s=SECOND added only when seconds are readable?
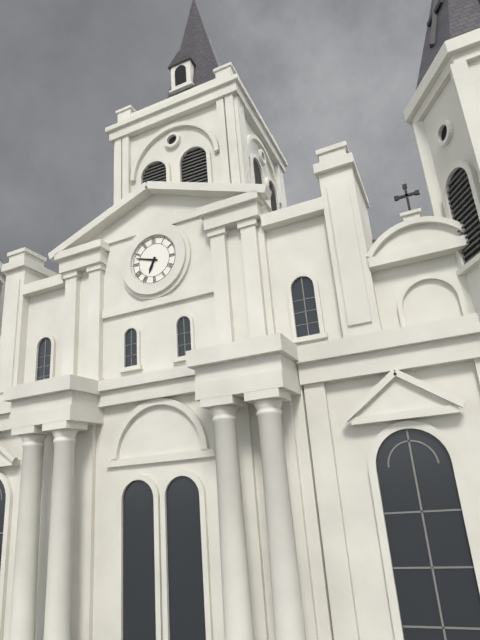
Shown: h=6 m=48
